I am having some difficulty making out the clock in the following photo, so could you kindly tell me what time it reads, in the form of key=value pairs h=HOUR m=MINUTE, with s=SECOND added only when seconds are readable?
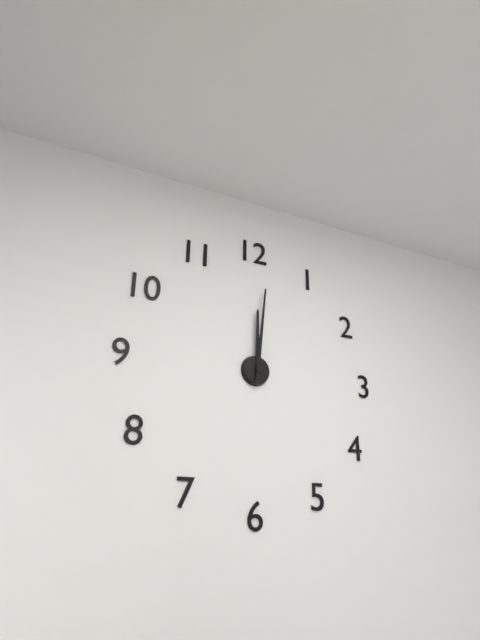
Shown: h=12 m=1
